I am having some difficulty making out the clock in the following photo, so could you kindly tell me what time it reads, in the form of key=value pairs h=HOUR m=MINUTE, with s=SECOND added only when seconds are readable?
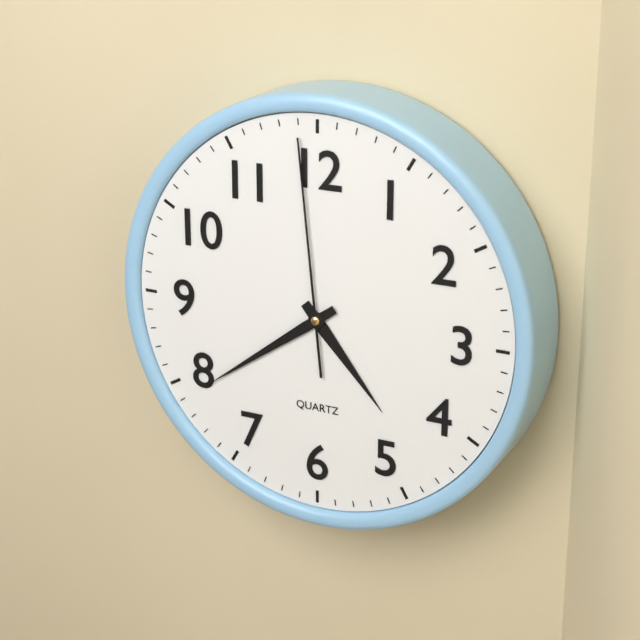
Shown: h=4 m=39 s=59
